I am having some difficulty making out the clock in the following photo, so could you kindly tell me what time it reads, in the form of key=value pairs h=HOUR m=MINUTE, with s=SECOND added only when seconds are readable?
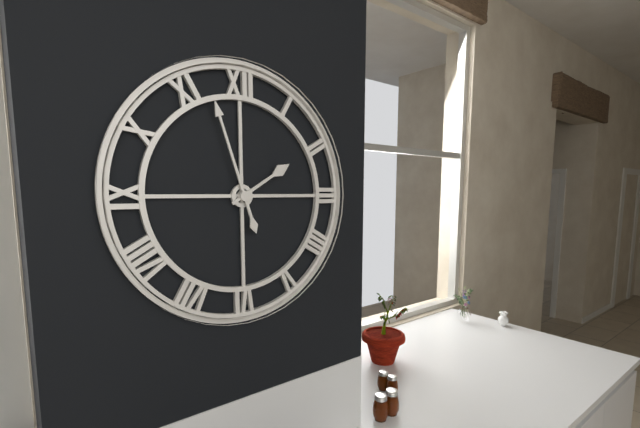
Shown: h=1 m=57
